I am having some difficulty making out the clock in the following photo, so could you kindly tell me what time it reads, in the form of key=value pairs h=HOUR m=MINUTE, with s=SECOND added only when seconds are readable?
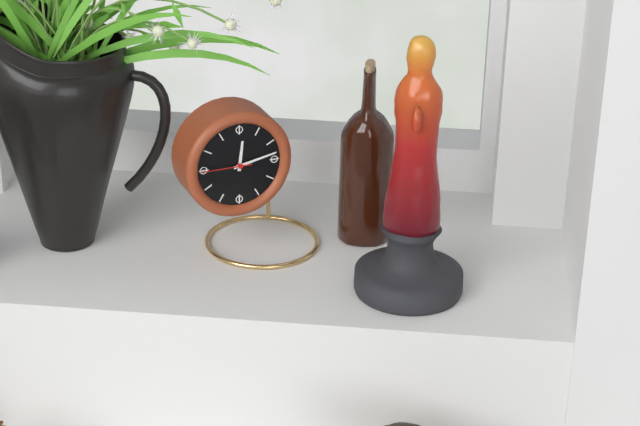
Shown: h=12 m=13
